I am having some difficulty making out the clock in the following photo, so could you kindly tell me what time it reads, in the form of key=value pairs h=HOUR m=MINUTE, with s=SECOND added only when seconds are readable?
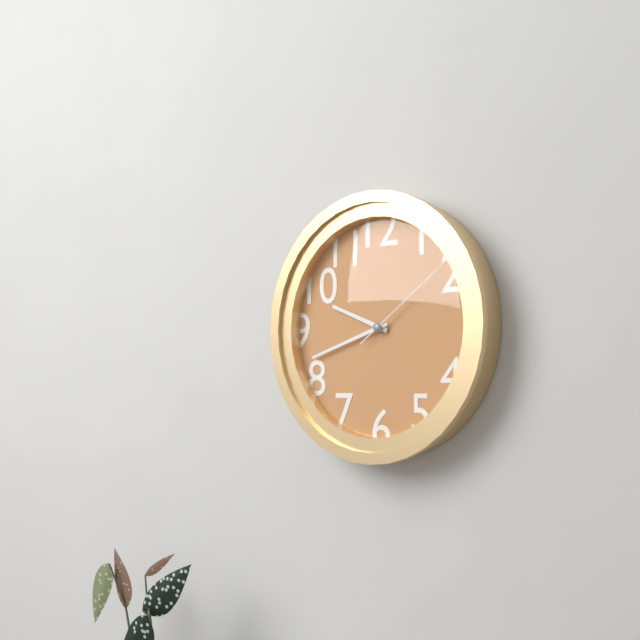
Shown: h=9 m=42 s=9
